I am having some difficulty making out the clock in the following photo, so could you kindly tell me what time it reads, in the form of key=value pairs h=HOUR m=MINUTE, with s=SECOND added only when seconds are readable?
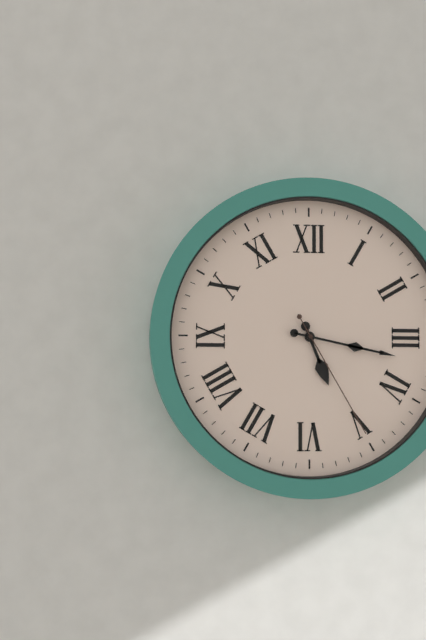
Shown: h=5 m=17 s=25
